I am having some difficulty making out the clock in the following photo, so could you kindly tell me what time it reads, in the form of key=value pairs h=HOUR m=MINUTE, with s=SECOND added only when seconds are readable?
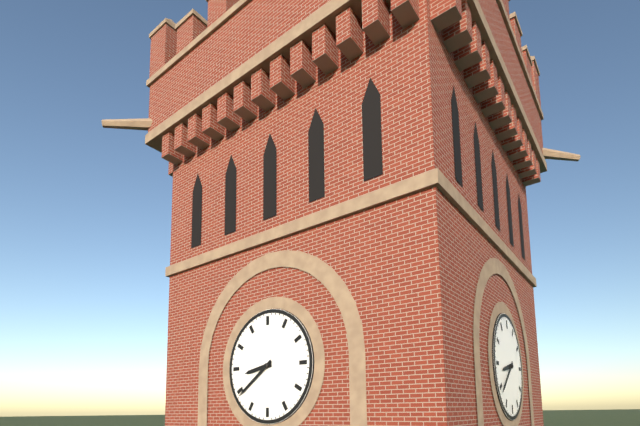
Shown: h=8 m=39
